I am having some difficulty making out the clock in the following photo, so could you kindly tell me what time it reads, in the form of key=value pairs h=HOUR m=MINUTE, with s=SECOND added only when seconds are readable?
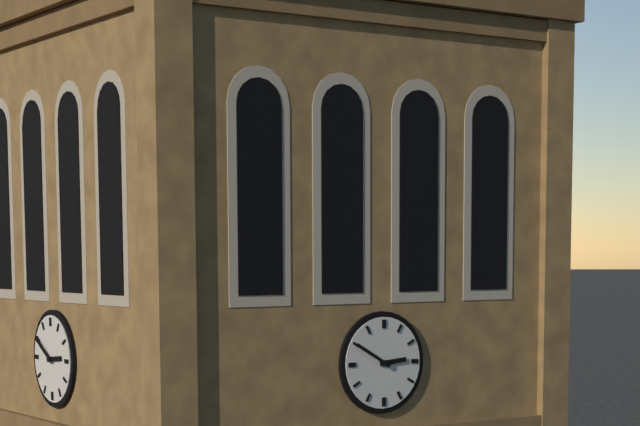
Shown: h=2 m=50
